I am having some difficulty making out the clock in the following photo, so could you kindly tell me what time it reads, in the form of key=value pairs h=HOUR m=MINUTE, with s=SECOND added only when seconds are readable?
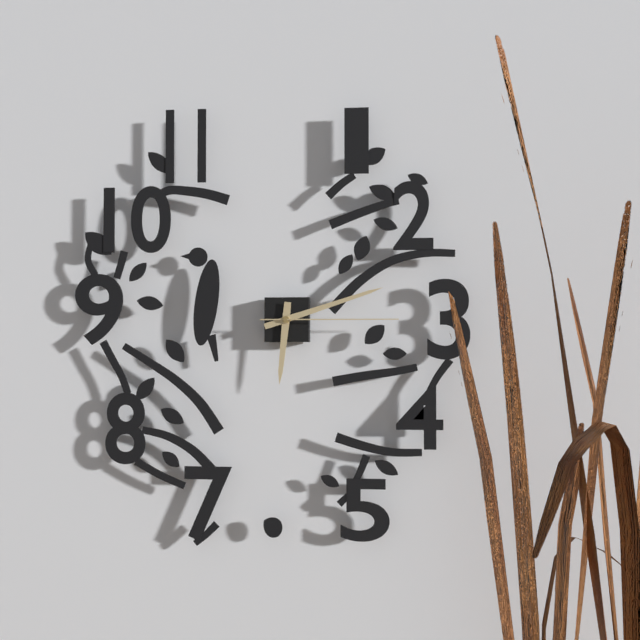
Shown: h=6 m=12 s=15
